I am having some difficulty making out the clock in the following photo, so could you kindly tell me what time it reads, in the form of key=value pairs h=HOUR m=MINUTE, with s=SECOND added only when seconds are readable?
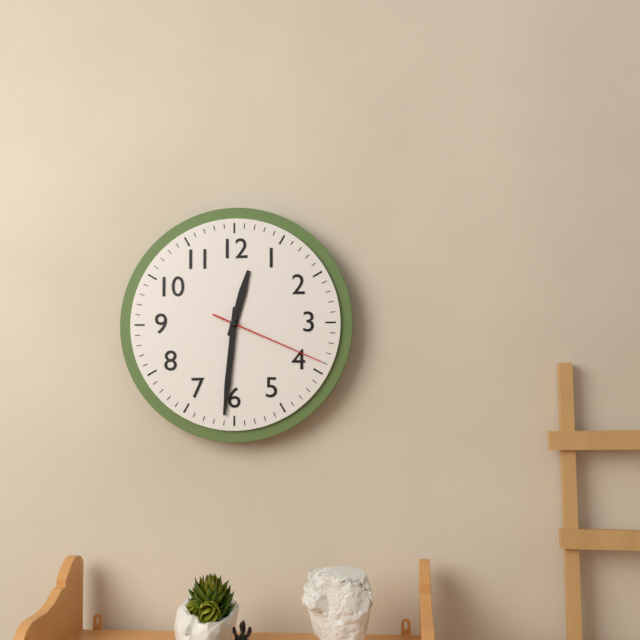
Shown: h=12 m=31 s=19
